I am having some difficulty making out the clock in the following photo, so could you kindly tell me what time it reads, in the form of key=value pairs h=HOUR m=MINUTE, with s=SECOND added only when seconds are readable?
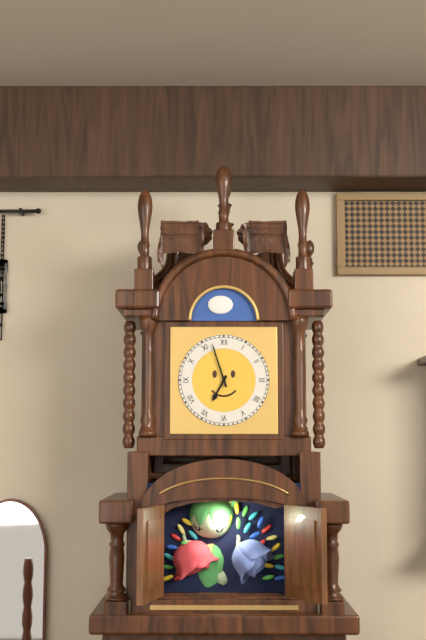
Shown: h=6 m=57
